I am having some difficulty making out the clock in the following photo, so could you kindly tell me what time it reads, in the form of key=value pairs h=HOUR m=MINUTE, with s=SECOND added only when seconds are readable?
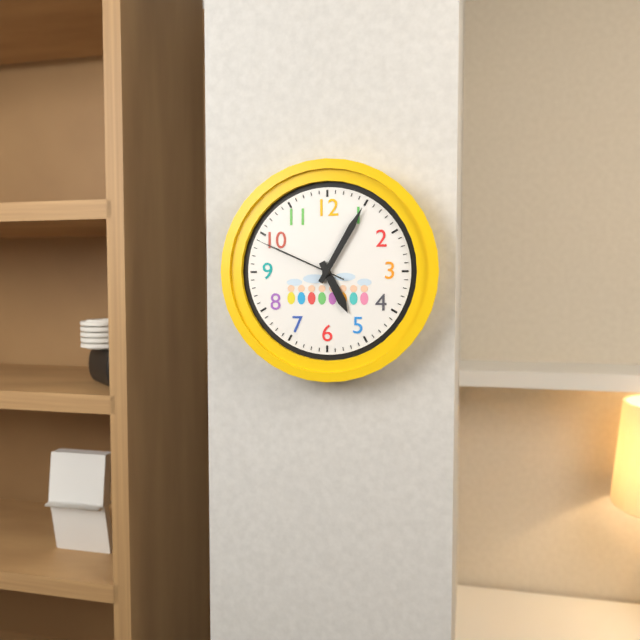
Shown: h=5 m=5 s=49
